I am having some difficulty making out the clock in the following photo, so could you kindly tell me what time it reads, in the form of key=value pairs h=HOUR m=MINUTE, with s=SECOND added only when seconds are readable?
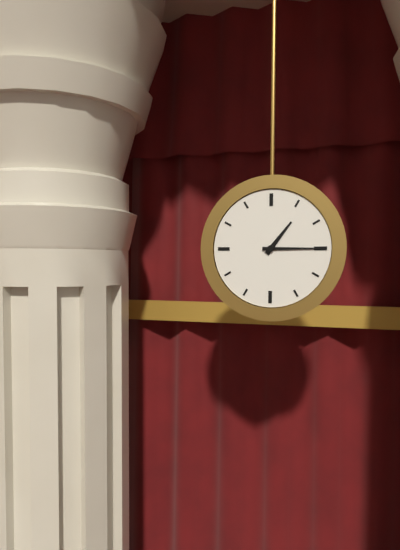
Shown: h=1 m=15
